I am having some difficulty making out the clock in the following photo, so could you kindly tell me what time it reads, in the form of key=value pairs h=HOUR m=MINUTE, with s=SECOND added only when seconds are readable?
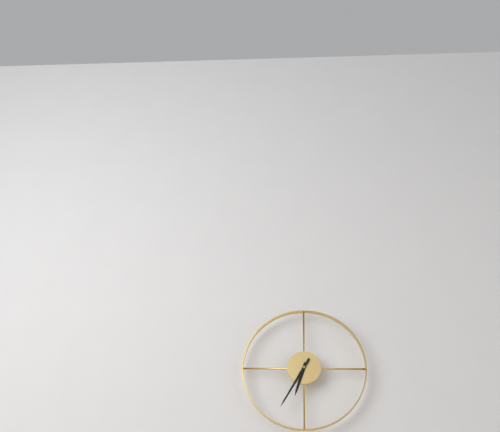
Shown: h=6 m=35
